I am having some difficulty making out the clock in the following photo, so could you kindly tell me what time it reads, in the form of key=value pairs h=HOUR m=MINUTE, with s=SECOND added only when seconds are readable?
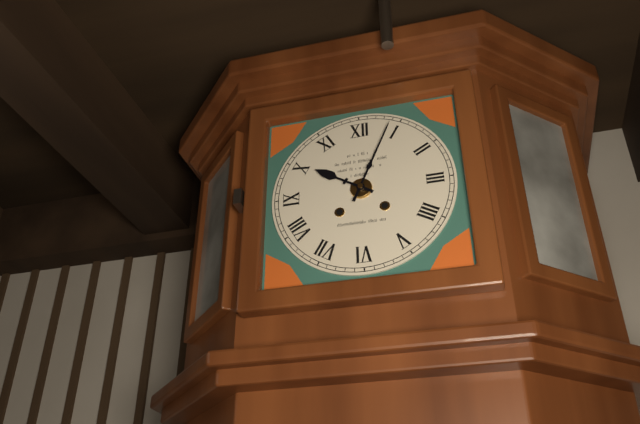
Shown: h=10 m=4
